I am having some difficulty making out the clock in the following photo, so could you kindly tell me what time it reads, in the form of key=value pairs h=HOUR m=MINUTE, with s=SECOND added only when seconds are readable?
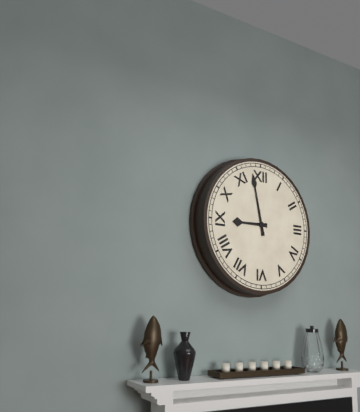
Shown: h=8 m=58
